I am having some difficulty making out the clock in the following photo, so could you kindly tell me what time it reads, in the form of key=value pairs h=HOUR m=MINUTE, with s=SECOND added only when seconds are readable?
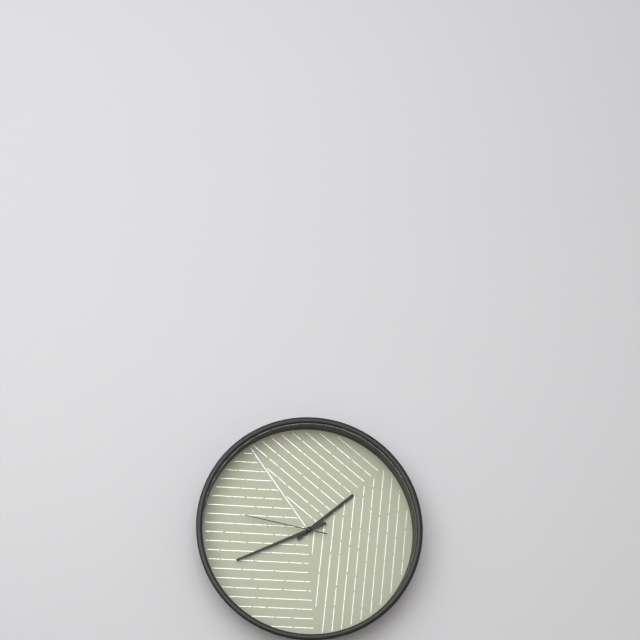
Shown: h=1 m=41 s=47
